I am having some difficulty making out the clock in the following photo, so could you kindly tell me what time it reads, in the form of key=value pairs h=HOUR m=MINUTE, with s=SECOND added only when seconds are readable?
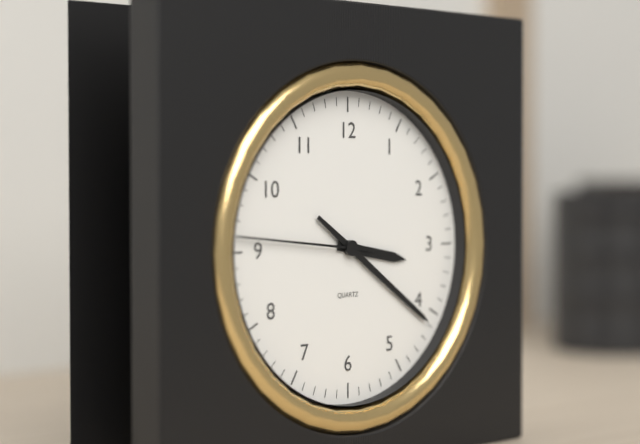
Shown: h=3 m=21 s=46
